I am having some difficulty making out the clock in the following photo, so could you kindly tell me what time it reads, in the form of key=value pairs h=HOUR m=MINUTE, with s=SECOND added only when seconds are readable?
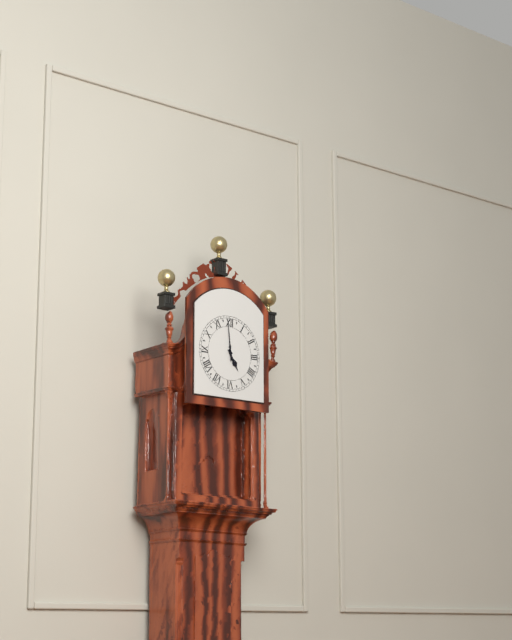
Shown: h=4 m=59
